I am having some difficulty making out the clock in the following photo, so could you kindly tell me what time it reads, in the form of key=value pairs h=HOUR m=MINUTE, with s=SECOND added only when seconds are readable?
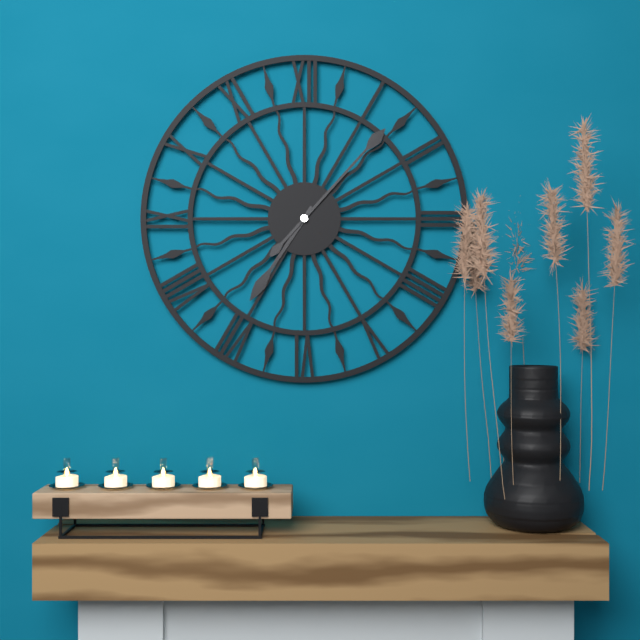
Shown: h=7 m=7
